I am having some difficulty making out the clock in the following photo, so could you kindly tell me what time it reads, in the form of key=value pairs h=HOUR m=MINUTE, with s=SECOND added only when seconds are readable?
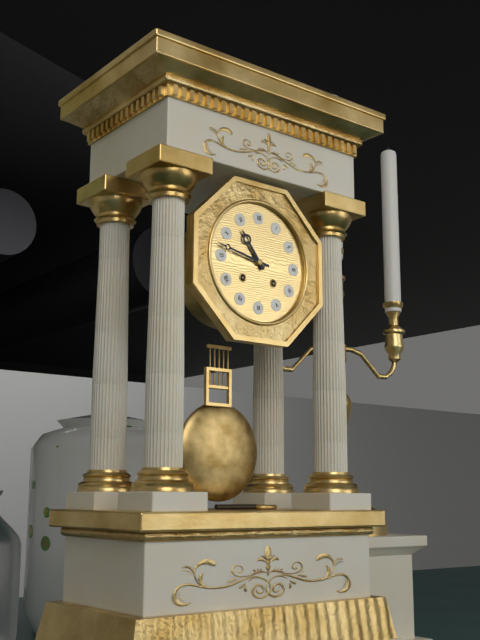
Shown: h=10 m=47
